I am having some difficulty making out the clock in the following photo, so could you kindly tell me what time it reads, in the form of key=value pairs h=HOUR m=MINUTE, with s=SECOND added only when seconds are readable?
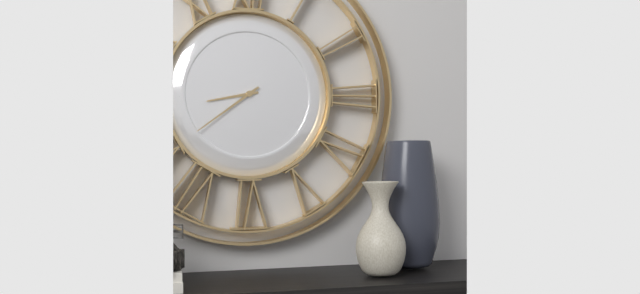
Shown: h=8 m=39
